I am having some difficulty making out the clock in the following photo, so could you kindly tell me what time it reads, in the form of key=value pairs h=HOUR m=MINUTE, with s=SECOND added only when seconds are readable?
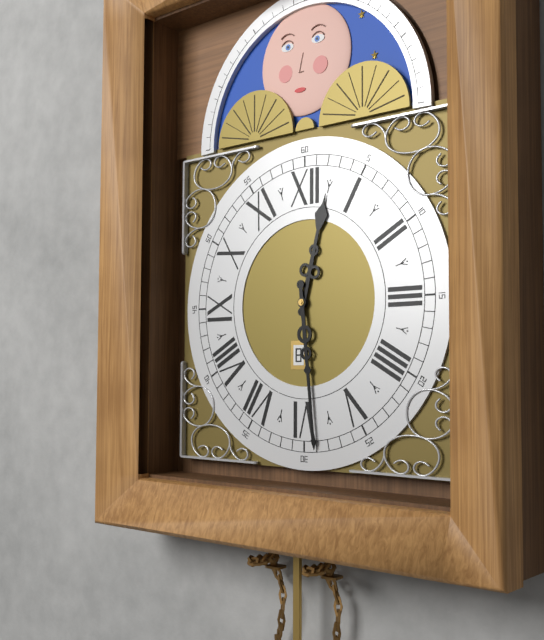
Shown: h=12 m=29
